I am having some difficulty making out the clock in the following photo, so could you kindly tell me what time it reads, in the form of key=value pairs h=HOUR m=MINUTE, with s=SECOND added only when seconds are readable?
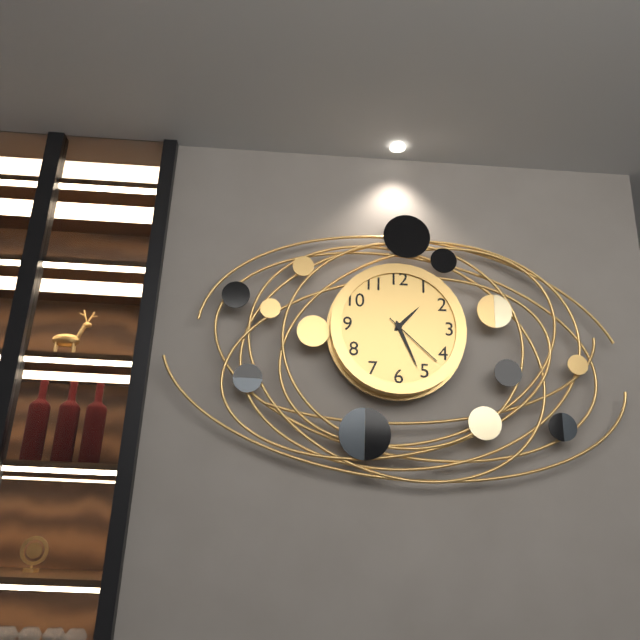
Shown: h=1 m=26 s=22
